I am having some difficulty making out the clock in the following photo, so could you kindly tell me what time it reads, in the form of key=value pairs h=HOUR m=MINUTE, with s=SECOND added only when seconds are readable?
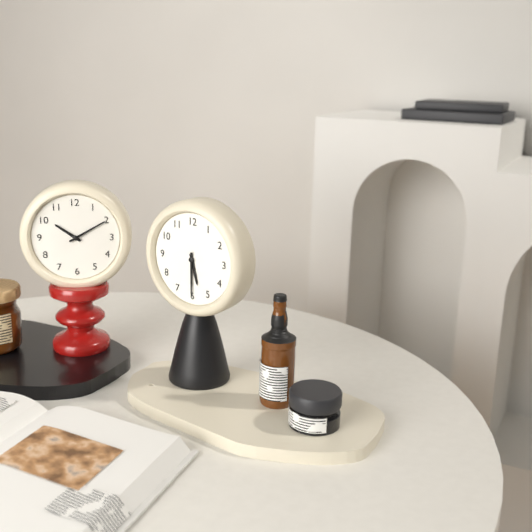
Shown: h=5 m=30
